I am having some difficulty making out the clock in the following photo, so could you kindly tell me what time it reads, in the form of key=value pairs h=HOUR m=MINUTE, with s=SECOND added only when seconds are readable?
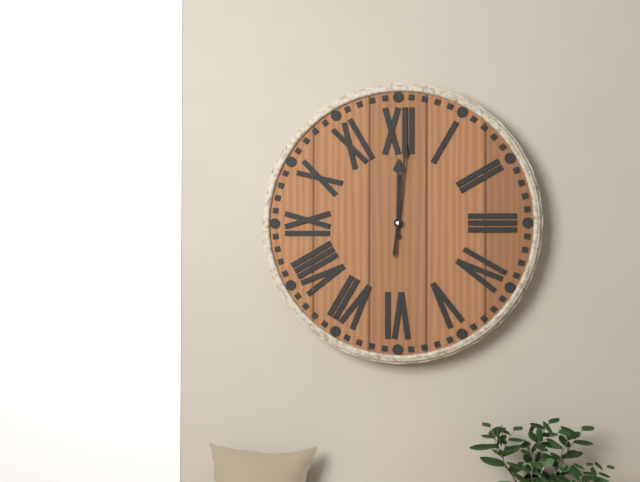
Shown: h=12 m=1
